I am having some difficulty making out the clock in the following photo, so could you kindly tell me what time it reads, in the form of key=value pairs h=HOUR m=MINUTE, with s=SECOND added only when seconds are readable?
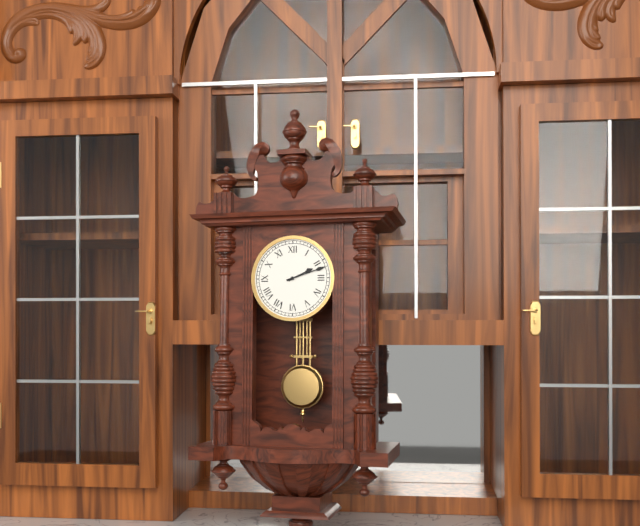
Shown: h=2 m=12
